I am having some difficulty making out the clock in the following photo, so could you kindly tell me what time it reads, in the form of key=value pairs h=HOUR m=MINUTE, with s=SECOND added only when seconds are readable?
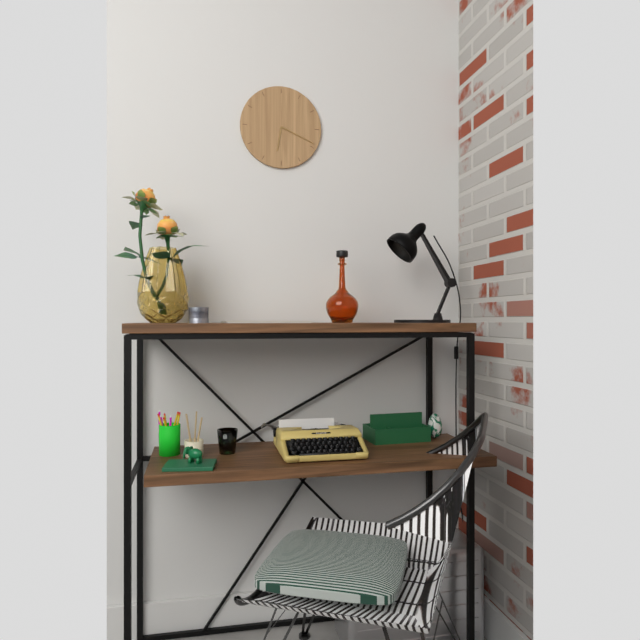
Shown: h=6 m=19
